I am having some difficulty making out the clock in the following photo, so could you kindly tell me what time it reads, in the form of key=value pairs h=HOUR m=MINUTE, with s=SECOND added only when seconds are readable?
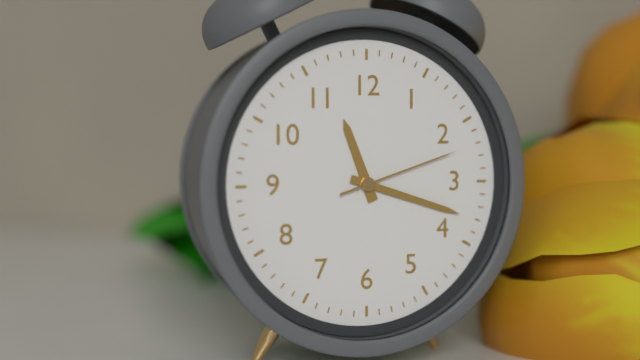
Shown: h=11 m=18 s=12
